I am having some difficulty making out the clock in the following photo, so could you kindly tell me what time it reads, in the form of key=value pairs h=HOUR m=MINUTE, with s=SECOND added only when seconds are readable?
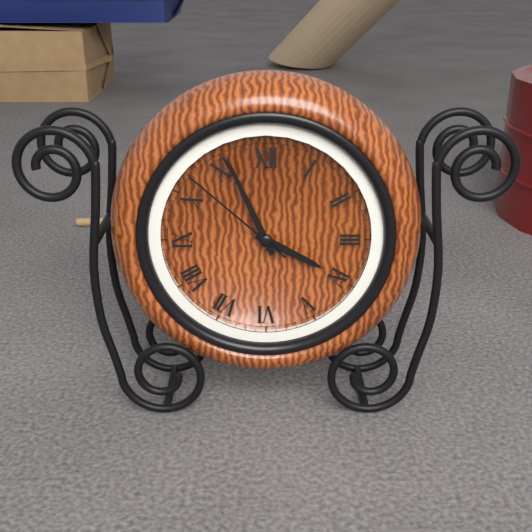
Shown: h=3 m=56 s=52
